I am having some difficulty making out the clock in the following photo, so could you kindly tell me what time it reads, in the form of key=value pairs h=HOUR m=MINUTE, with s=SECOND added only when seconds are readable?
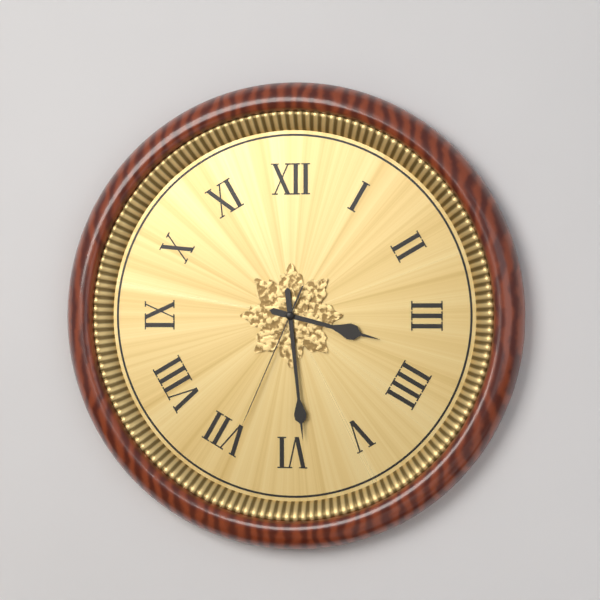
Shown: h=3 m=29 s=34
